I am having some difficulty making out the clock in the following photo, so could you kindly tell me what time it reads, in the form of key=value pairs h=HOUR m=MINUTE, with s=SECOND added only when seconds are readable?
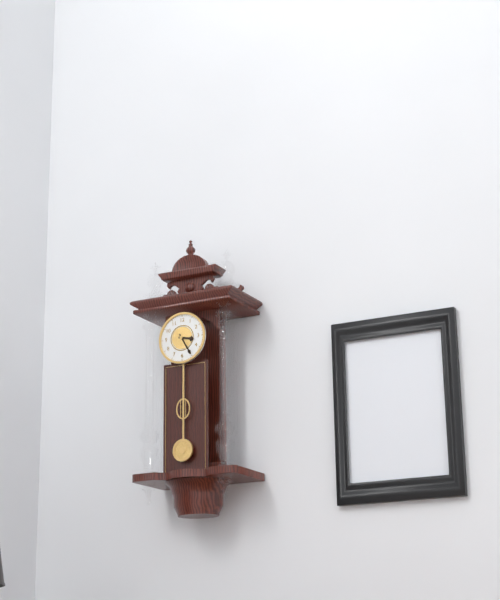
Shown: h=3 m=25
